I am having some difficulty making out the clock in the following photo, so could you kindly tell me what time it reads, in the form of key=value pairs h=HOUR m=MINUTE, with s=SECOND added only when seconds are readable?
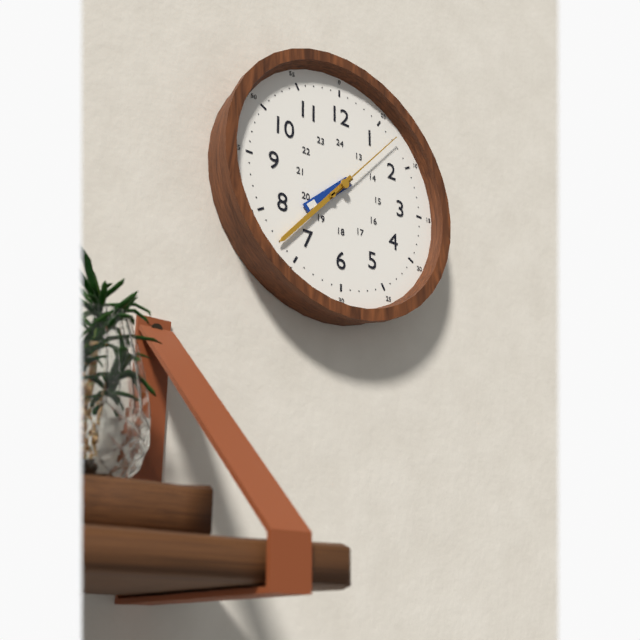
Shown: h=7 m=37 s=7
